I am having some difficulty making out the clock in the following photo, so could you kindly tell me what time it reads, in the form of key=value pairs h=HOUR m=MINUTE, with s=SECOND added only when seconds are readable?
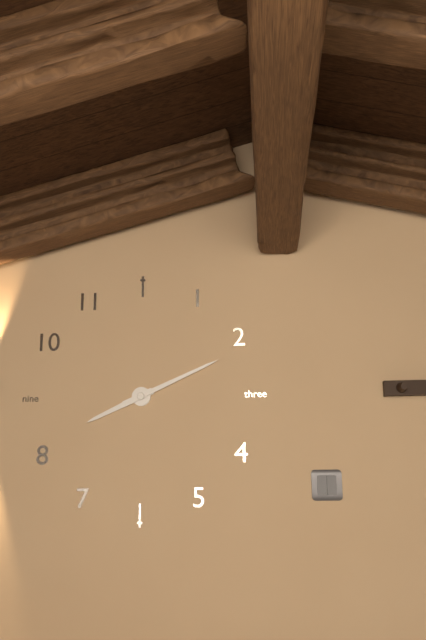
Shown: h=8 m=11
